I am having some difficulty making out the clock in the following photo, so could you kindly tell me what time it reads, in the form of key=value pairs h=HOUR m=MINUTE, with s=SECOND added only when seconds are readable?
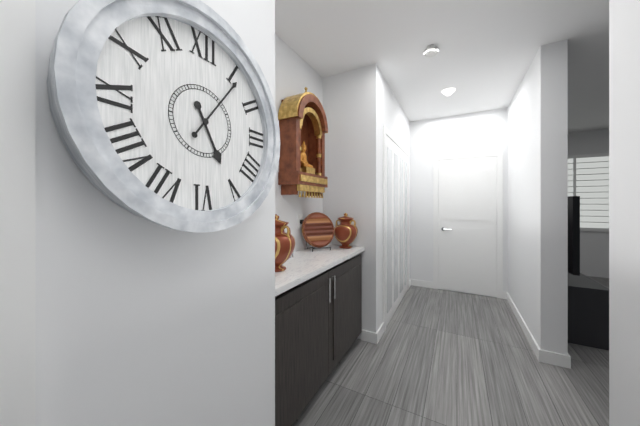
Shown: h=5 m=6
